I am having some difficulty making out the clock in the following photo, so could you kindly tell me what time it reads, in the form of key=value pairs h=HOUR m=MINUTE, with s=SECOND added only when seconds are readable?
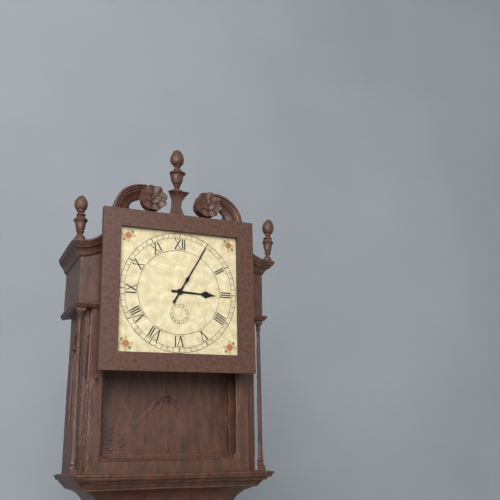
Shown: h=3 m=5
